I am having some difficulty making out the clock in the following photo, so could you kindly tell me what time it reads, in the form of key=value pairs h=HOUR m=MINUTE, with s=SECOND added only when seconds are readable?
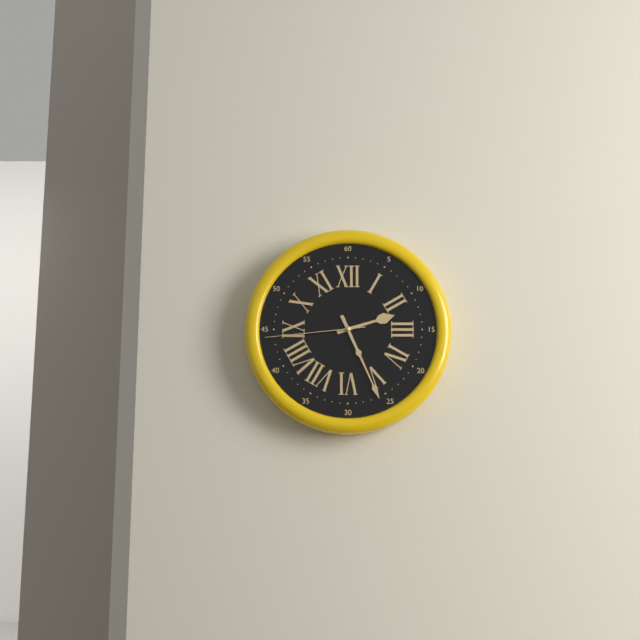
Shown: h=2 m=26 s=44
